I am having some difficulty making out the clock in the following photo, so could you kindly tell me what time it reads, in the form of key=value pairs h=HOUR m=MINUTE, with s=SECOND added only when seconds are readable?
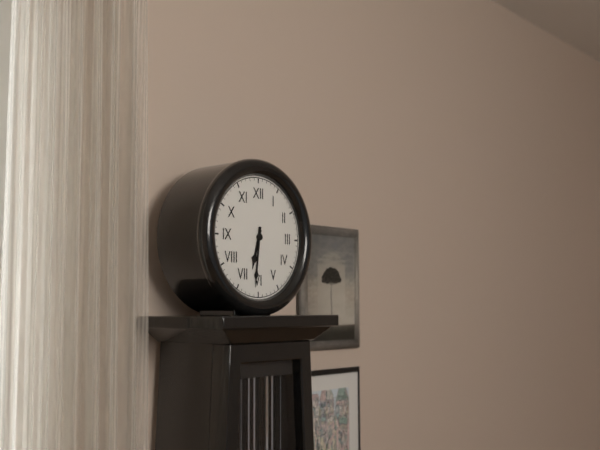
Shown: h=6 m=31
